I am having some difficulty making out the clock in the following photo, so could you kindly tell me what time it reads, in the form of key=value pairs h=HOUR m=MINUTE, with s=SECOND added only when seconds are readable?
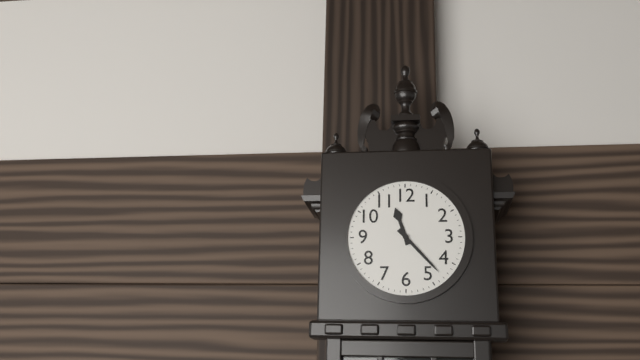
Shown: h=11 m=23
